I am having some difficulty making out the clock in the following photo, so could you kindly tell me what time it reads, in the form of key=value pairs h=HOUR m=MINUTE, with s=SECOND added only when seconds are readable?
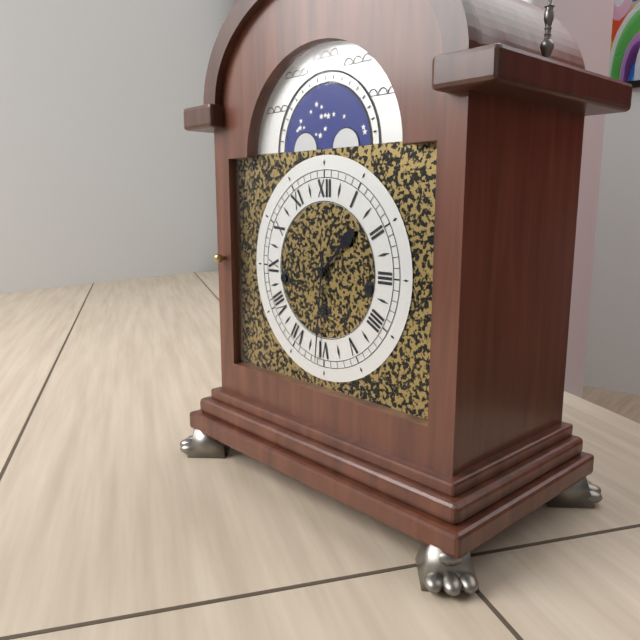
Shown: h=1 m=31
